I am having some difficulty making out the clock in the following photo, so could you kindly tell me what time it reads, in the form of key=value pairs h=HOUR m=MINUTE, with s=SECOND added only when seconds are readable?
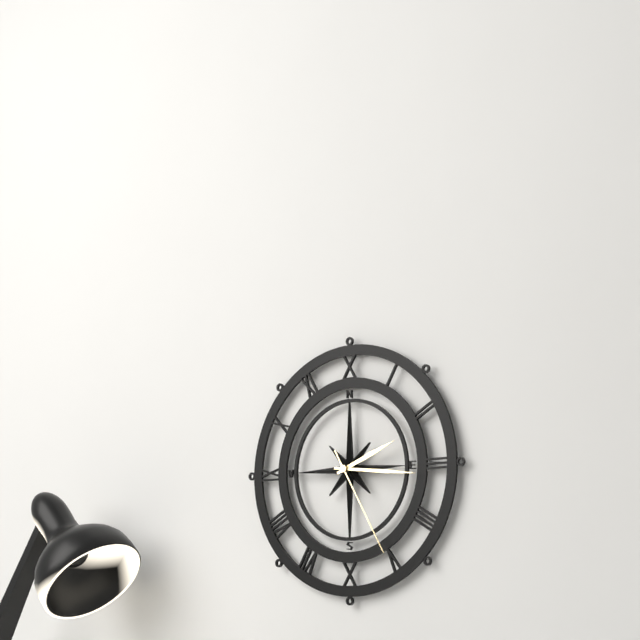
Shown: h=2 m=16 s=25
